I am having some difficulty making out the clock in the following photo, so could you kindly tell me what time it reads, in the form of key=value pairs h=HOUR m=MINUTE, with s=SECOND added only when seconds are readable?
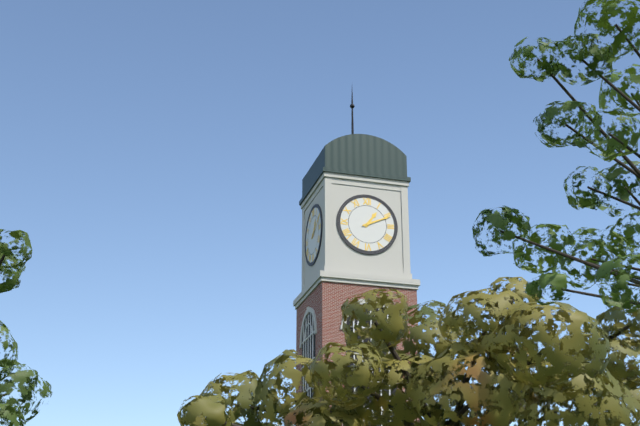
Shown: h=1 m=11
